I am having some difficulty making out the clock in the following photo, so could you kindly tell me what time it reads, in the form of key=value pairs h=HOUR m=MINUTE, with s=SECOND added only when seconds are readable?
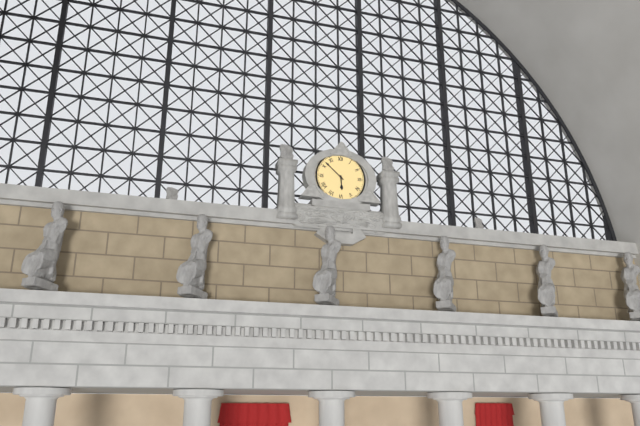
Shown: h=5 m=52
